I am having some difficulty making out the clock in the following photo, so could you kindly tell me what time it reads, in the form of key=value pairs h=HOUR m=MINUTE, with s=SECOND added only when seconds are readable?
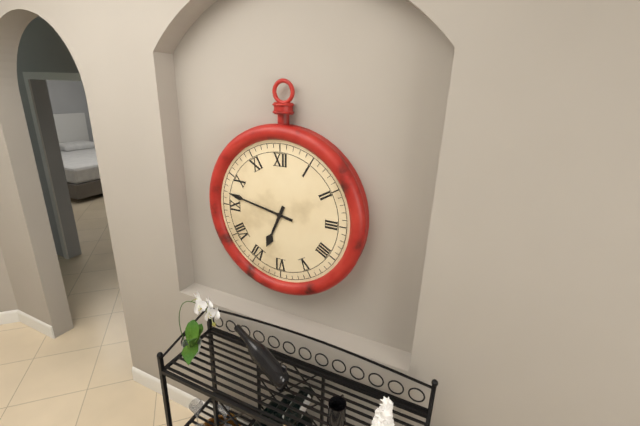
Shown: h=6 m=47
